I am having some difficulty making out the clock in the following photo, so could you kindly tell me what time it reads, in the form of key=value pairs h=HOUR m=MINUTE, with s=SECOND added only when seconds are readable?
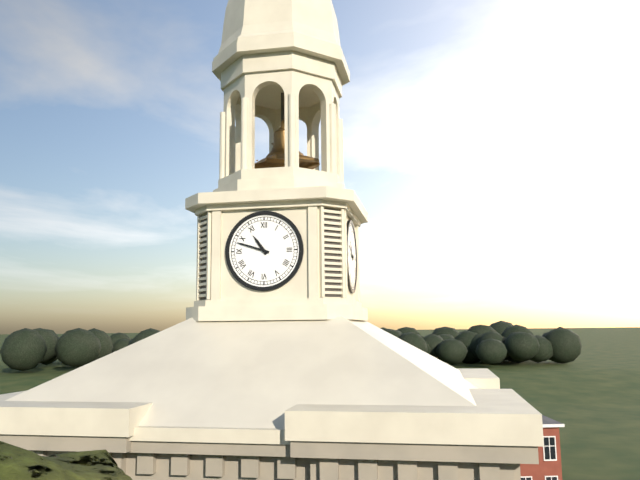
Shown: h=10 m=48
